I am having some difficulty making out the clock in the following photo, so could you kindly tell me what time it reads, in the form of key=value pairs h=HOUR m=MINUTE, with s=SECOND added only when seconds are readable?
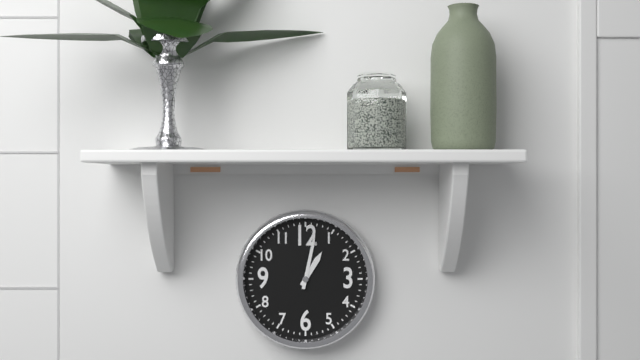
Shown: h=1 m=2
